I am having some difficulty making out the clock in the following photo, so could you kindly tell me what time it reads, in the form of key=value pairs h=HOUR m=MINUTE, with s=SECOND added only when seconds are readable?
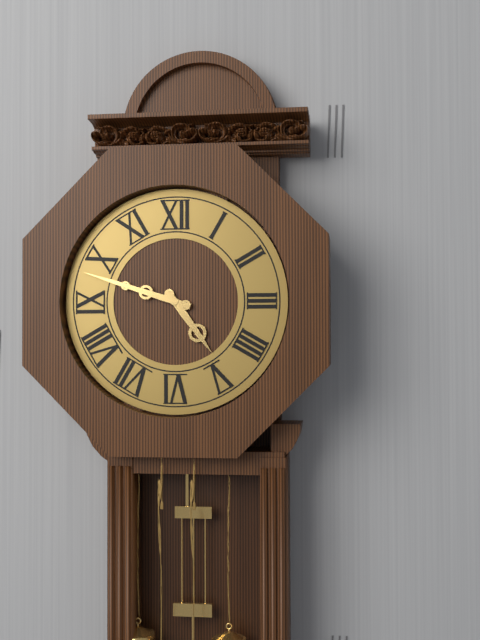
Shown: h=4 m=48
